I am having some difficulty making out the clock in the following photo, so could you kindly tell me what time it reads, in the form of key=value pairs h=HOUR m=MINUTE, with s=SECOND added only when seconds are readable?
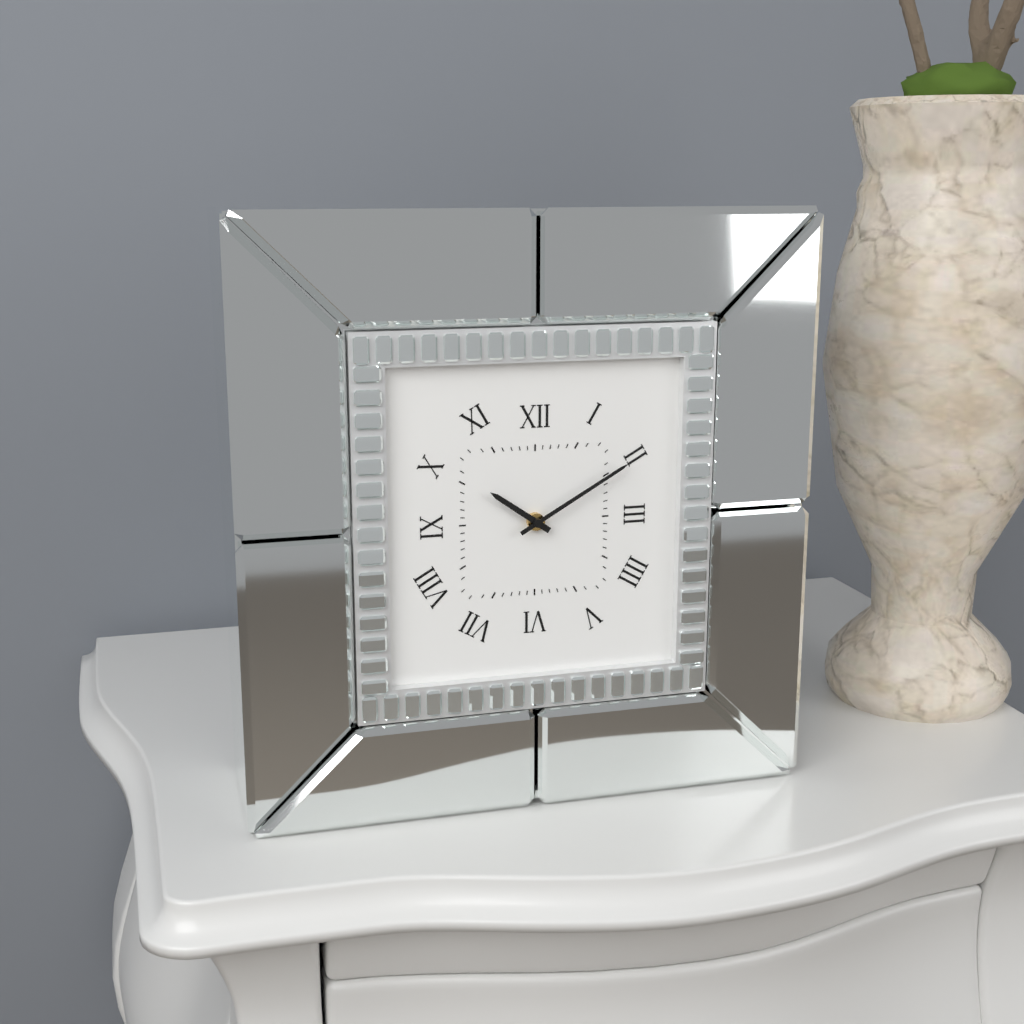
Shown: h=10 m=10
